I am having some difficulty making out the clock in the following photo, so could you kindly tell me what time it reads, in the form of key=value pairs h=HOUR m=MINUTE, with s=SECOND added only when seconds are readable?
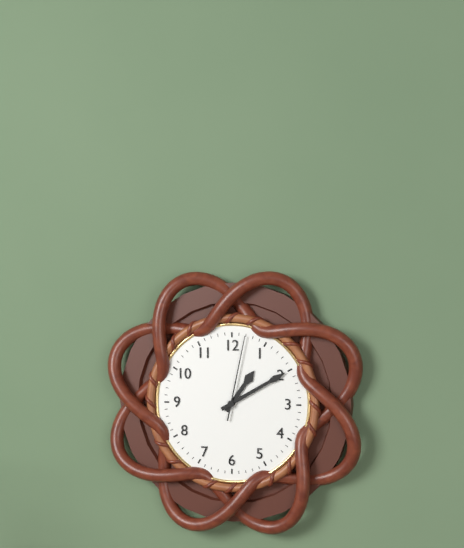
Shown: h=1 m=10 s=2
